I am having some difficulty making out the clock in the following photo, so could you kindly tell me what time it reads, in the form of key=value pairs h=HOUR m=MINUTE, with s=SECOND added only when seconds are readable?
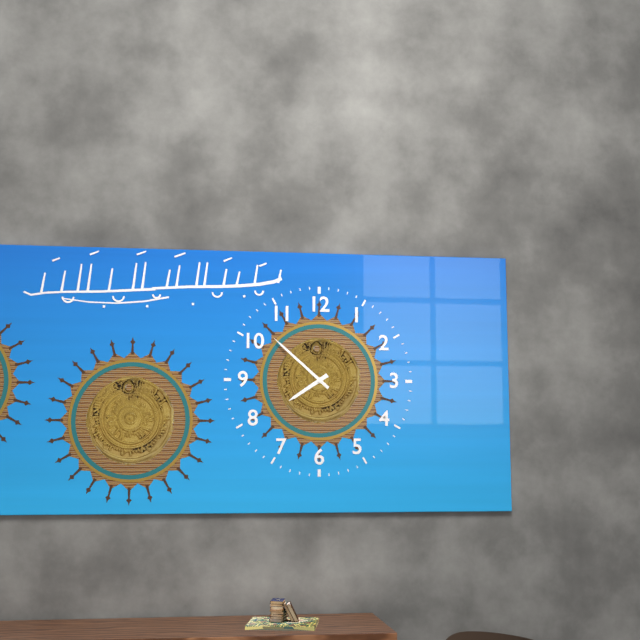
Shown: h=7 m=52
